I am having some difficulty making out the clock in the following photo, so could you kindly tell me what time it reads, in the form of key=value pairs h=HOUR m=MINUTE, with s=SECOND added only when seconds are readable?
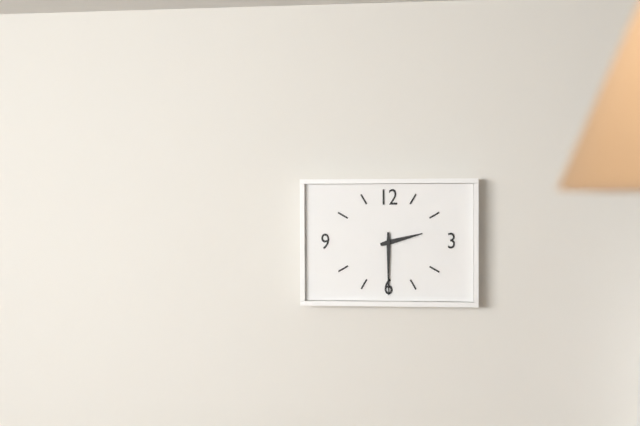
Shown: h=2 m=30
